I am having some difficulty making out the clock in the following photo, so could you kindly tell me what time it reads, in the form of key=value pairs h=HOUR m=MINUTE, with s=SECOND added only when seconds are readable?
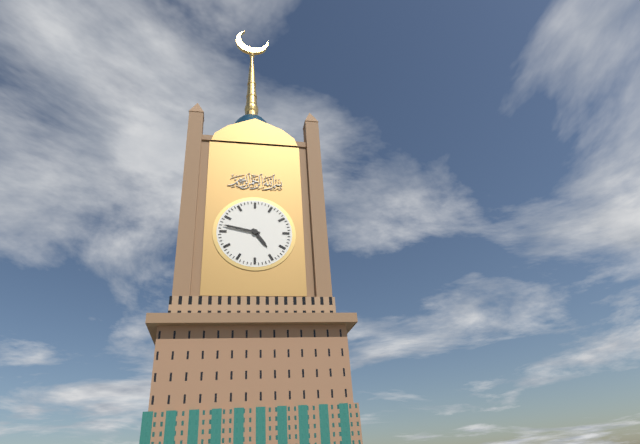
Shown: h=4 m=47
